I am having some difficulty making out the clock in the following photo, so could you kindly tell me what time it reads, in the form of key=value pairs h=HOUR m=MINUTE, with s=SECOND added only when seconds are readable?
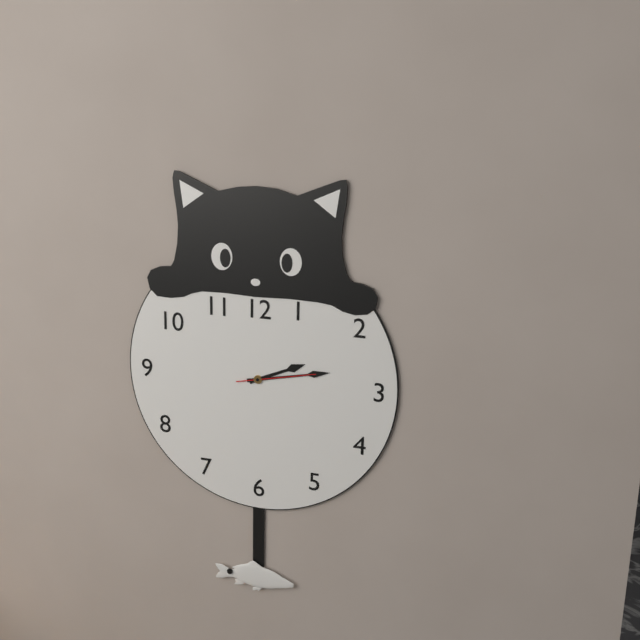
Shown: h=2 m=13 s=13
